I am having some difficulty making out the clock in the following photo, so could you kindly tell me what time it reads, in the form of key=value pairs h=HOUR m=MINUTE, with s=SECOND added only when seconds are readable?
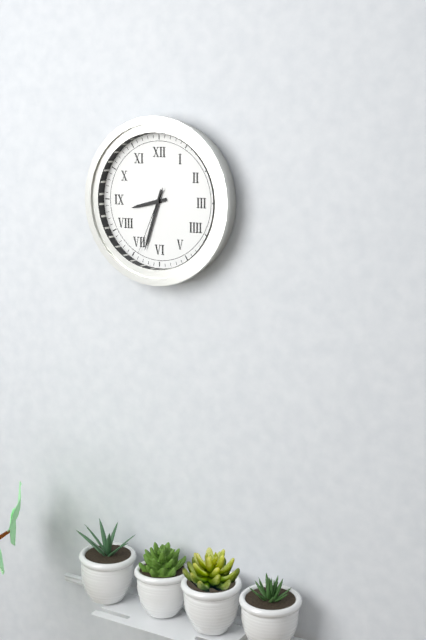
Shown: h=8 m=33 s=34
